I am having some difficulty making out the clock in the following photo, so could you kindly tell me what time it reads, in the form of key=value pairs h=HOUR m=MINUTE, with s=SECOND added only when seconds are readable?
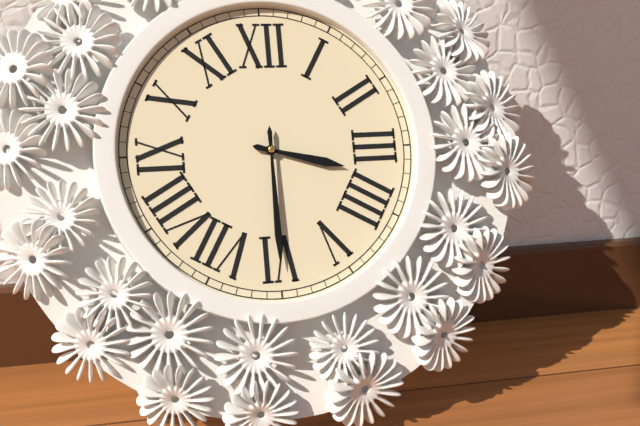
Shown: h=3 m=30
